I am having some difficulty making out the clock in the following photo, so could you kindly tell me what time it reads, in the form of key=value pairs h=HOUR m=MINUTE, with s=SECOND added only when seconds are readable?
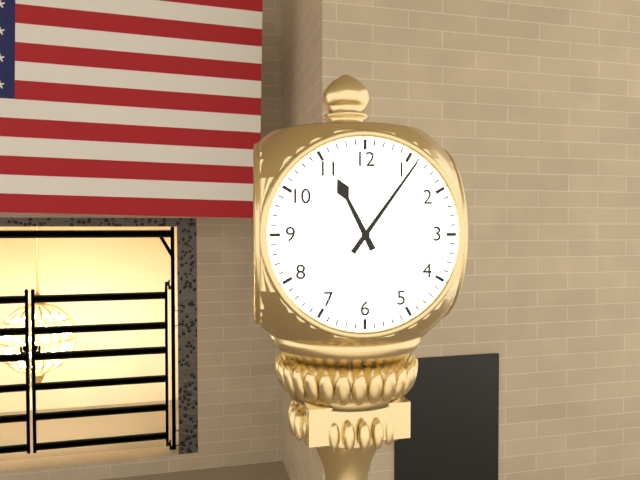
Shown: h=11 m=6
